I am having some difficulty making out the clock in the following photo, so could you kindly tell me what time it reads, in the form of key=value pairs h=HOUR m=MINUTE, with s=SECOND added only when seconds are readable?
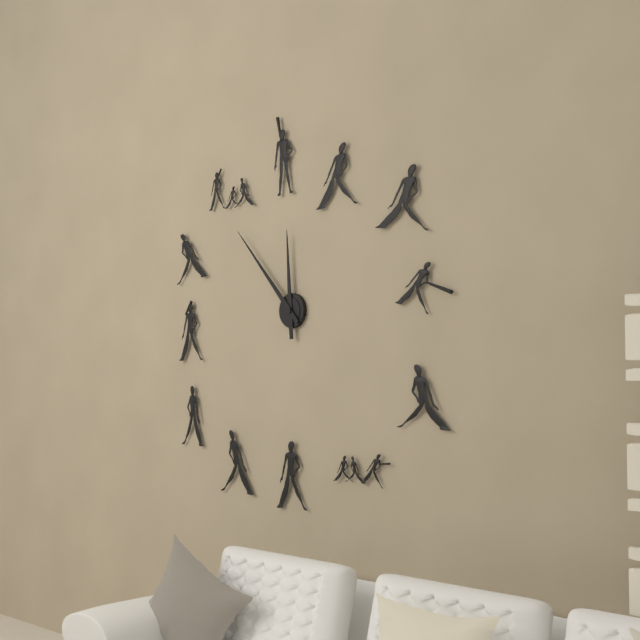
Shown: h=11 m=53
